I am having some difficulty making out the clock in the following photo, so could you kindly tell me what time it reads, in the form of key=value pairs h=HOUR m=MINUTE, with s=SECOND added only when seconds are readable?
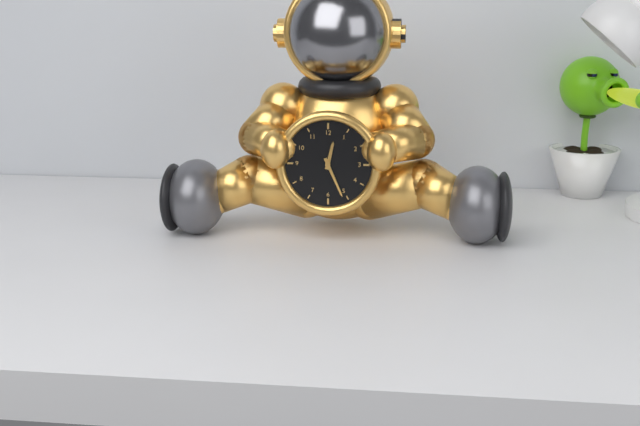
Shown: h=12 m=26
